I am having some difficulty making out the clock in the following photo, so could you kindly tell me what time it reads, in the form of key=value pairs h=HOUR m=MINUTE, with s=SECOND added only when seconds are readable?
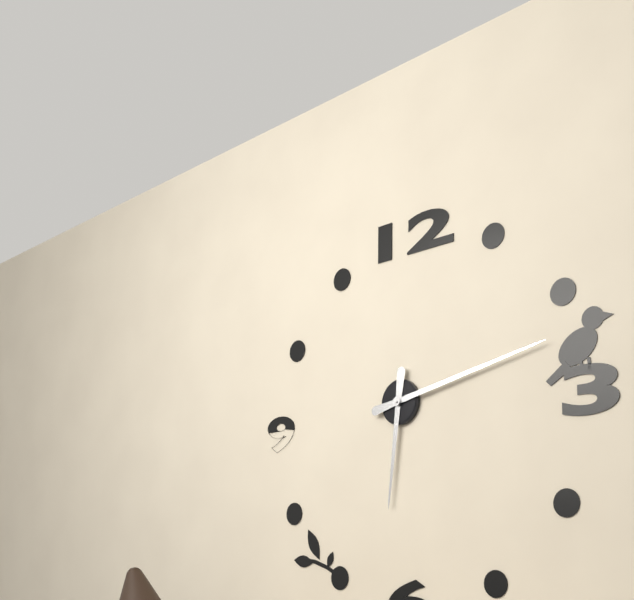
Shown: h=6 m=13
